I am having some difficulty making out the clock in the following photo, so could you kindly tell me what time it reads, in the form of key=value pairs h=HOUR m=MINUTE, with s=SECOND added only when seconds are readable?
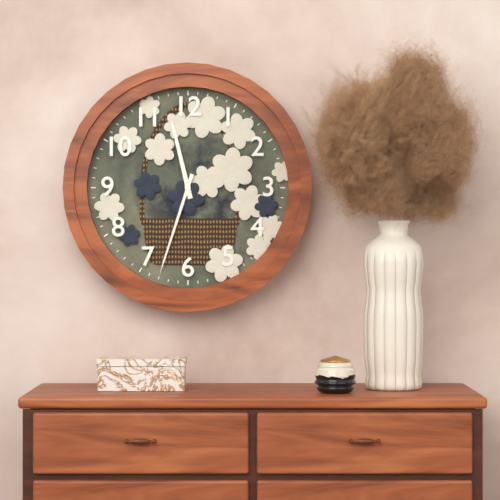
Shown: h=11 m=33
